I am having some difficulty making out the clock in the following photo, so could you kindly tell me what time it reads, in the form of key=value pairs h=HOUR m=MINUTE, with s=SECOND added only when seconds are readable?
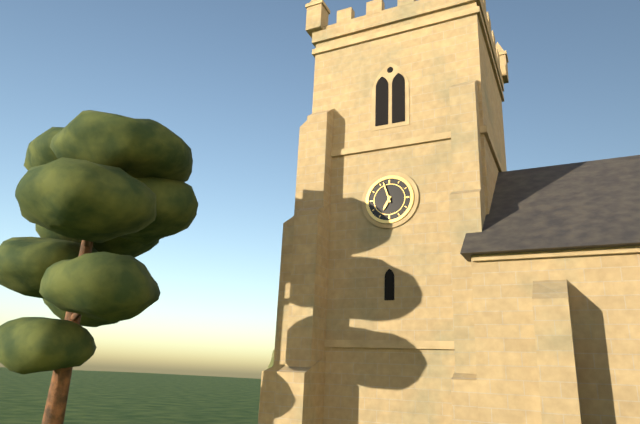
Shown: h=6 m=57
